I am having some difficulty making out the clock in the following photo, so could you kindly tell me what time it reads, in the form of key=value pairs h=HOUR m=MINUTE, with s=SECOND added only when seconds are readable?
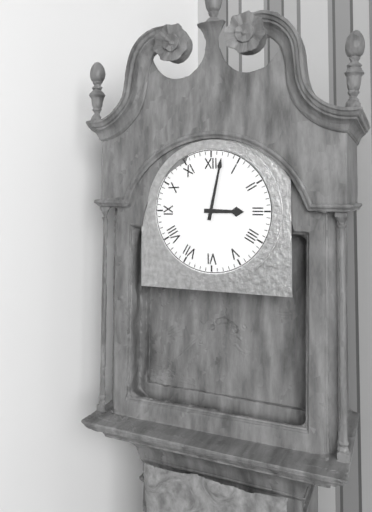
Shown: h=3 m=2
